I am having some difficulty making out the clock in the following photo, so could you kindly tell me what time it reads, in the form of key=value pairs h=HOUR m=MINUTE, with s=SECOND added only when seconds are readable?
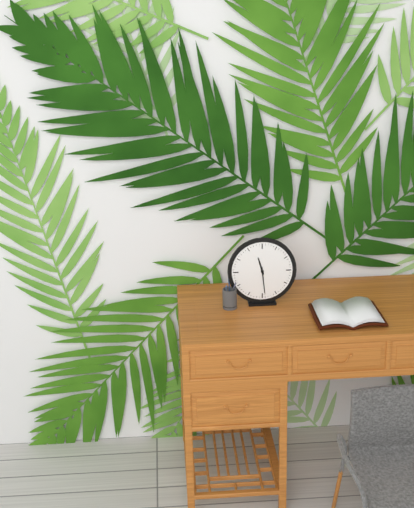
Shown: h=11 m=29
